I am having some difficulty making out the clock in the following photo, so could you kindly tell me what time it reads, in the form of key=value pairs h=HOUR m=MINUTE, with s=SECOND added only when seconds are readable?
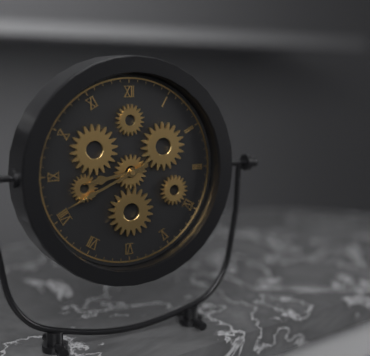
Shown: h=8 m=41
